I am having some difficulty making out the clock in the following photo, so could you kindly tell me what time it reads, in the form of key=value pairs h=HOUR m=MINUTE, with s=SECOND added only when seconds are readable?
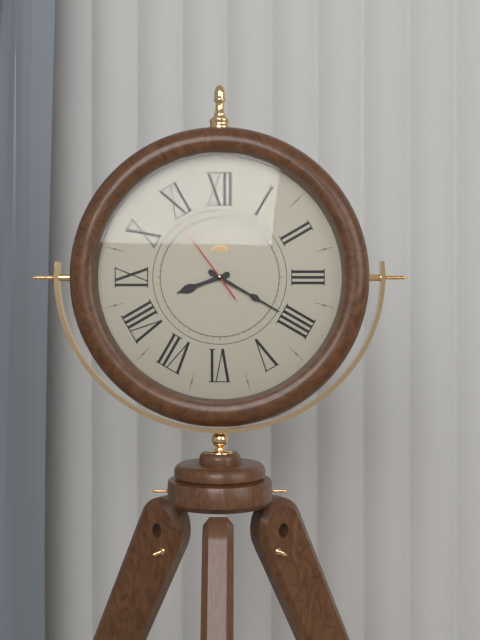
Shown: h=8 m=20 s=54
